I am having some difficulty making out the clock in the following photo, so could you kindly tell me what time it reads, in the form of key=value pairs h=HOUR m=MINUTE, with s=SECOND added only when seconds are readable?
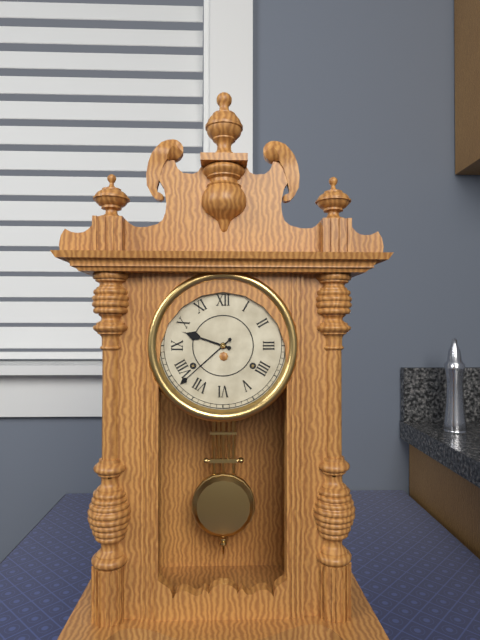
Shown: h=9 m=38
